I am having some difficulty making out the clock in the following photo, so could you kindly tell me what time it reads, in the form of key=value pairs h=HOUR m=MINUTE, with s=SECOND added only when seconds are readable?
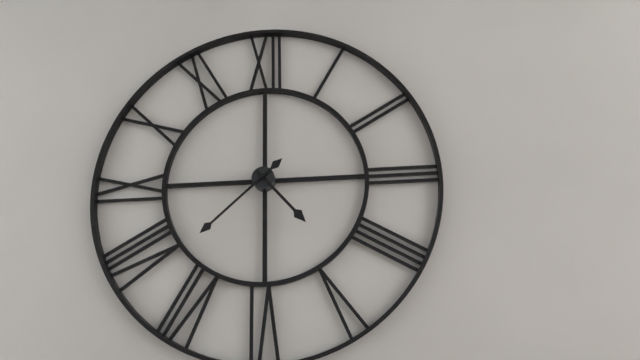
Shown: h=4 m=38
